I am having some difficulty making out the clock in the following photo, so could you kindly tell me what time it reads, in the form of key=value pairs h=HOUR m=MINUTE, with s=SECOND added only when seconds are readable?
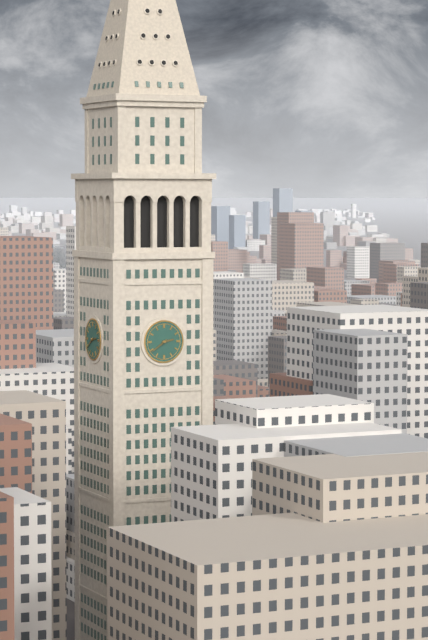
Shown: h=2 m=39
